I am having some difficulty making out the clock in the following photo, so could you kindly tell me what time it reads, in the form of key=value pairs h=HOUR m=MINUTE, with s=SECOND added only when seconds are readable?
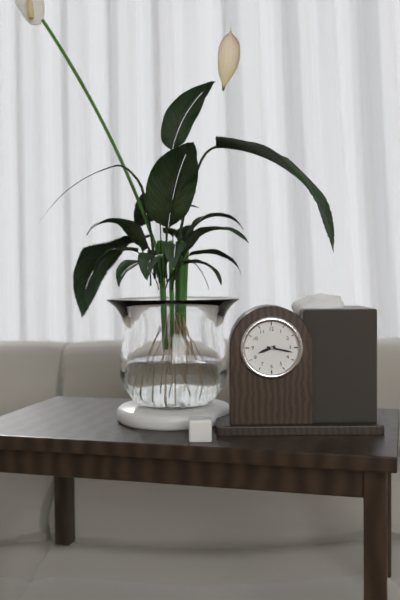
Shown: h=8 m=17
